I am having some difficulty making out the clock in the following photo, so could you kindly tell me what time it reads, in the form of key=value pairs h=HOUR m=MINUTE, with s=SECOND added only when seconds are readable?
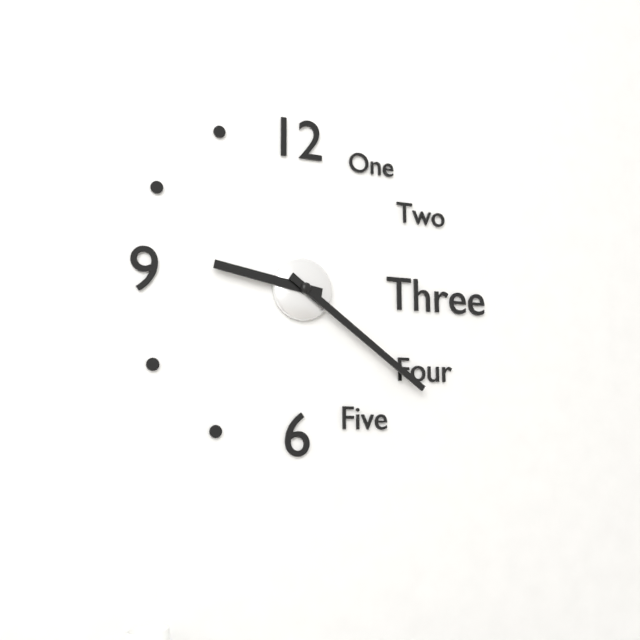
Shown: h=9 m=21
